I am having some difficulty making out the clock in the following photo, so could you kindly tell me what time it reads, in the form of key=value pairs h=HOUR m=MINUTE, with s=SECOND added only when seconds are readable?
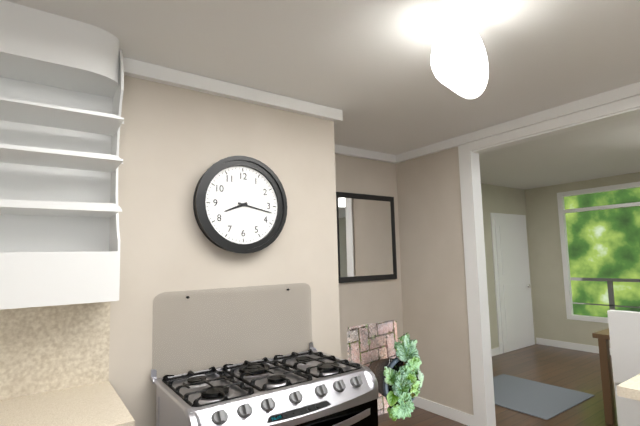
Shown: h=8 m=17
